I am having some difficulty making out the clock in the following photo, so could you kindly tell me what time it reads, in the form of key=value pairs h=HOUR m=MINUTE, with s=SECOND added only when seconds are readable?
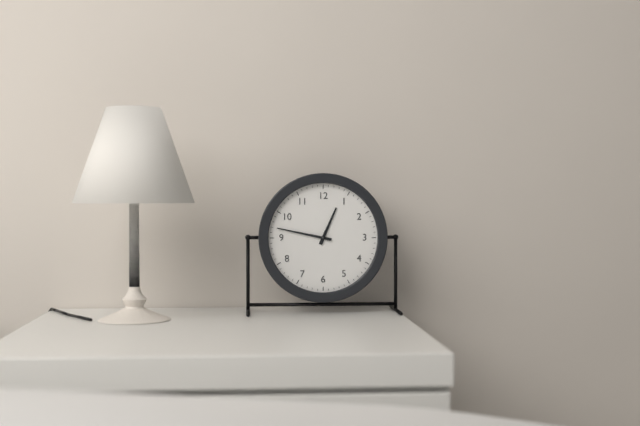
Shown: h=12 m=47
